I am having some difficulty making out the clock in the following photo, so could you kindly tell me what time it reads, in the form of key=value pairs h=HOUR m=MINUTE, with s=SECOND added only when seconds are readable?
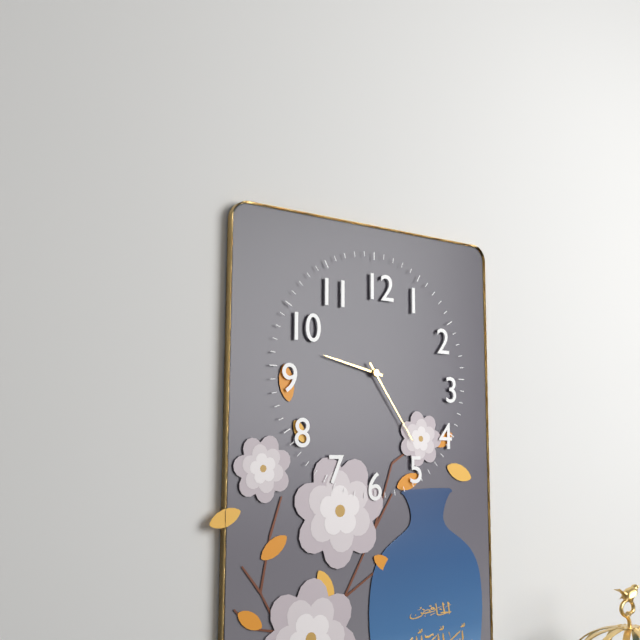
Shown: h=9 m=24
